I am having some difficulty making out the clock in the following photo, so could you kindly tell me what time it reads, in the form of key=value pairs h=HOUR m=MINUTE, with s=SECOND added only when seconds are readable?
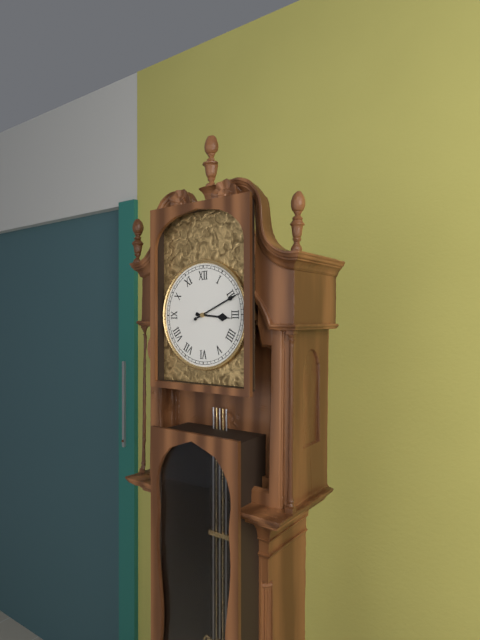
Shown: h=3 m=11
